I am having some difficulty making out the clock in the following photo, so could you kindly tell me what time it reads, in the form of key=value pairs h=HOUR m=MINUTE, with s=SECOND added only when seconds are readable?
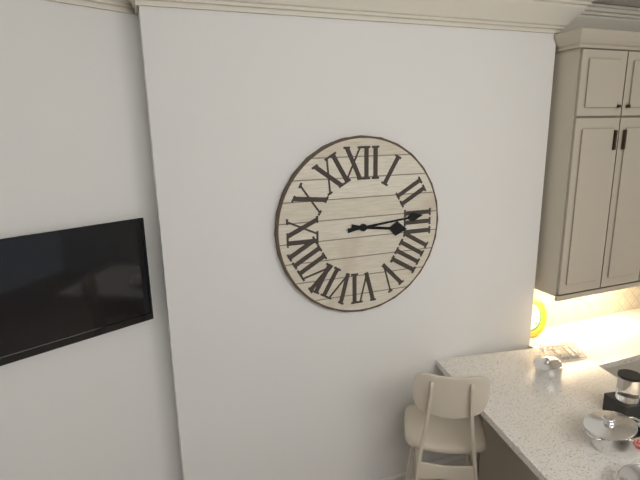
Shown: h=3 m=14
